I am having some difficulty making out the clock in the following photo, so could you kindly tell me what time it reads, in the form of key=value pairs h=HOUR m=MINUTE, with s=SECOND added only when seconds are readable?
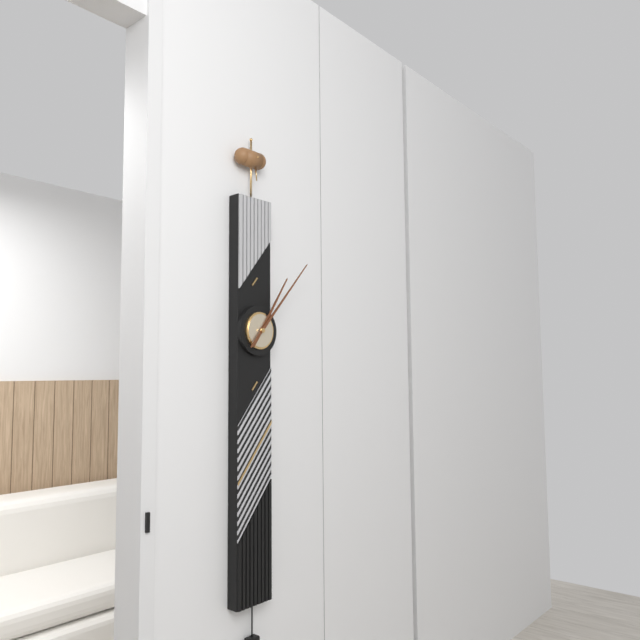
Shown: h=1 m=7
